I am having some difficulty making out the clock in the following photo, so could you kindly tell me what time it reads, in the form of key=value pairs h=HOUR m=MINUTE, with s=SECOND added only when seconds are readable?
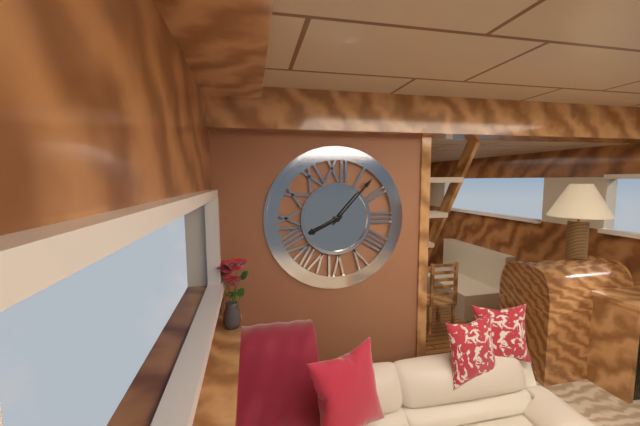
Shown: h=8 m=7
